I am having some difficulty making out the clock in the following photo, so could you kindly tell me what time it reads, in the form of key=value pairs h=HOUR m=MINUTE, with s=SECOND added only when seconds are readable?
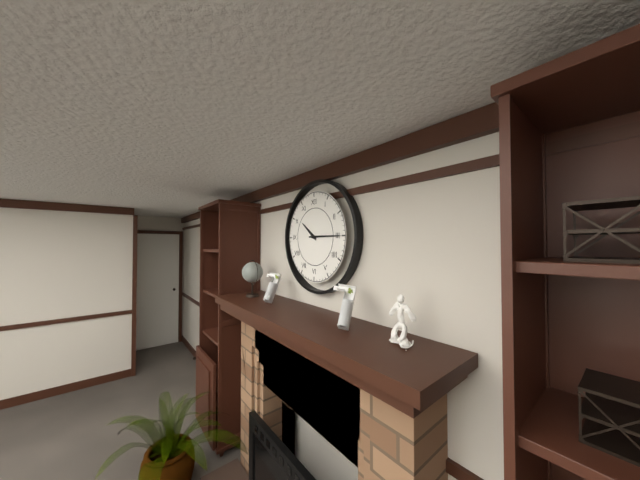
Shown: h=10 m=15
